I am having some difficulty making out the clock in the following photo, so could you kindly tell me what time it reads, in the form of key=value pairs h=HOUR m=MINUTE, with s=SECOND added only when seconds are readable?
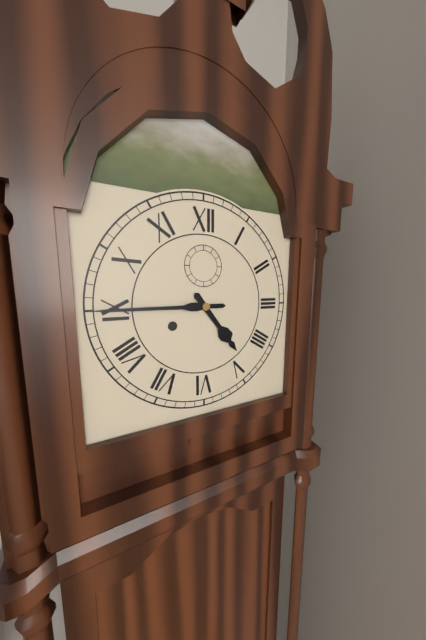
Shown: h=4 m=45
